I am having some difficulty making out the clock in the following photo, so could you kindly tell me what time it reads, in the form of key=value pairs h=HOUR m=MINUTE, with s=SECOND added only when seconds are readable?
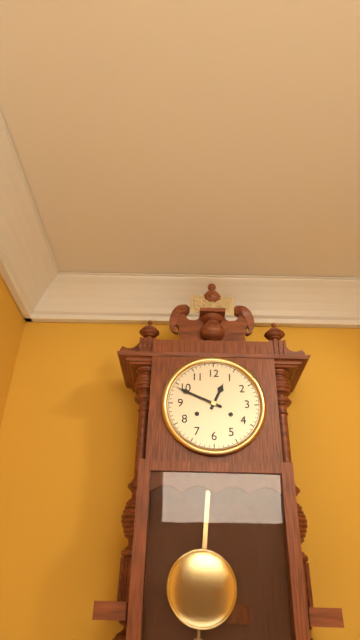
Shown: h=12 m=49
